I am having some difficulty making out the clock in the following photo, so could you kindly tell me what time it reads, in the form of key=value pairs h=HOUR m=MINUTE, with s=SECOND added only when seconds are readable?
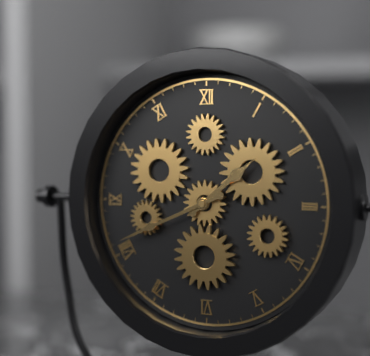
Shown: h=1 m=41
